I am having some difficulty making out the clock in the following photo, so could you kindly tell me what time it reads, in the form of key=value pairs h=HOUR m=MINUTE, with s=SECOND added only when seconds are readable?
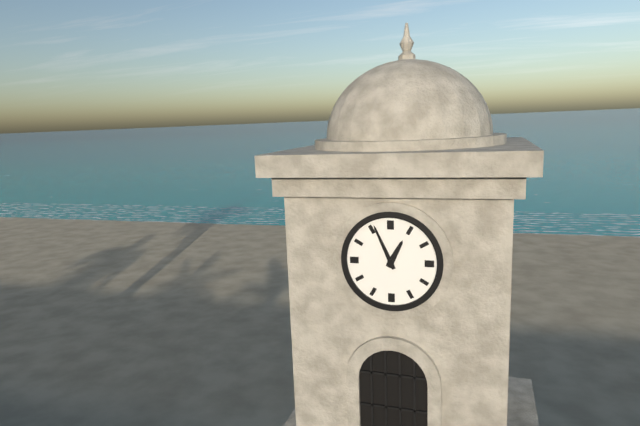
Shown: h=12 m=56
